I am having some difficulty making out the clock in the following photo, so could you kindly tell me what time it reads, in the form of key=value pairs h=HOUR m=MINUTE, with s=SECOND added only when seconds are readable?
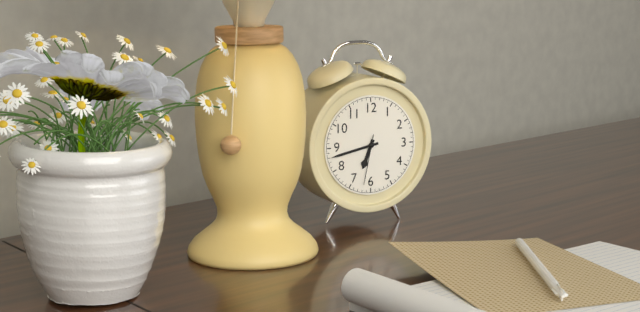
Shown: h=6 m=43 s=32
